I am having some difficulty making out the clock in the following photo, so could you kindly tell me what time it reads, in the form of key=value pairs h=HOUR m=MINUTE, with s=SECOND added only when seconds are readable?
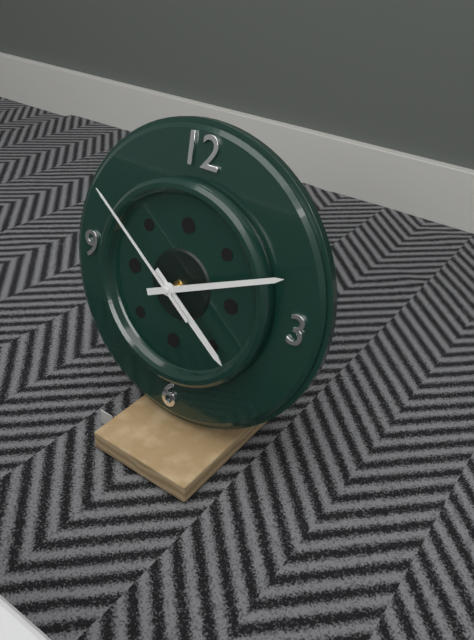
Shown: h=4 m=11 s=51
